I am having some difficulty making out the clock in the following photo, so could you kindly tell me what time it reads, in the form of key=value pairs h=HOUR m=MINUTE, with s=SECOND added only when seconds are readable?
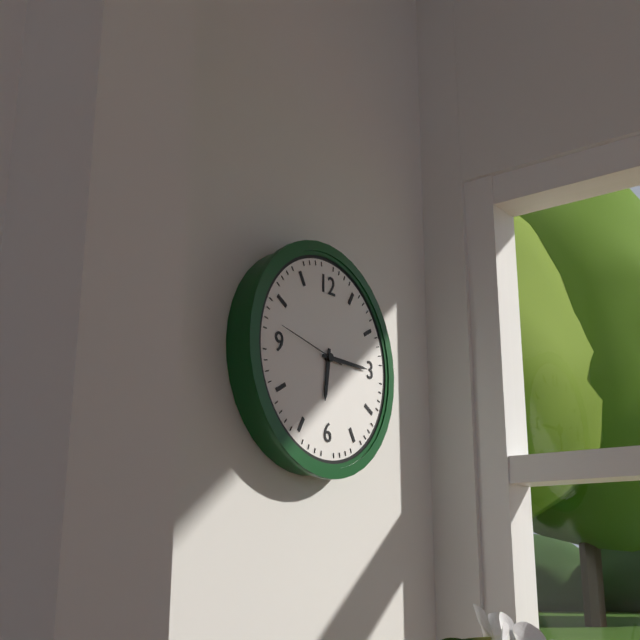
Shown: h=6 m=15 s=47
